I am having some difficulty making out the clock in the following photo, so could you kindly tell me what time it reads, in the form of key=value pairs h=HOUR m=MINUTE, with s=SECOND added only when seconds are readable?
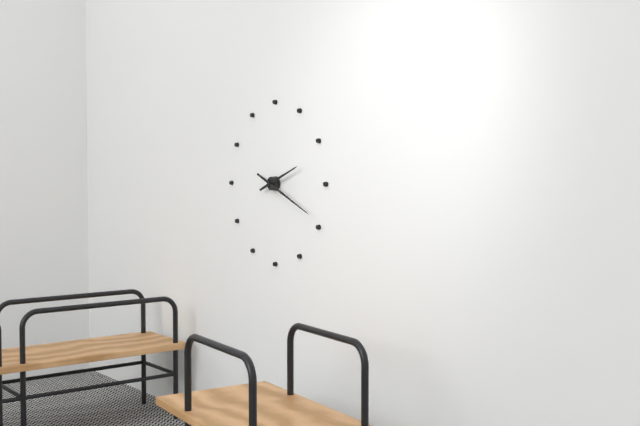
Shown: h=2 m=19
